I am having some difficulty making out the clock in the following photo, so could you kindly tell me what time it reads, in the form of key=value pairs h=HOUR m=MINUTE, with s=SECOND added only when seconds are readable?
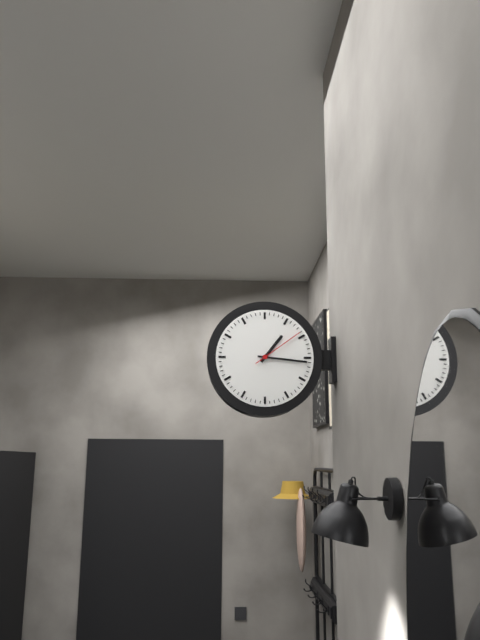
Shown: h=1 m=16 s=9
